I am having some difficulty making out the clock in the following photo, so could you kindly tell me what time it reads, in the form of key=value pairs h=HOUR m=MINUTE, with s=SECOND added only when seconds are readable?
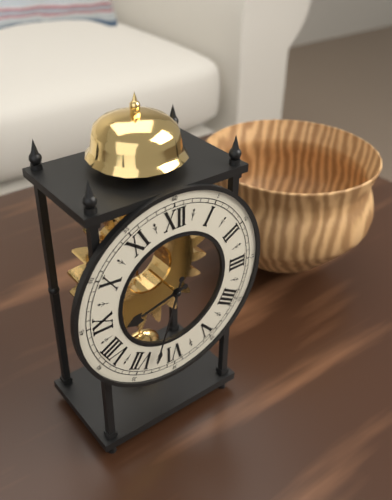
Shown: h=8 m=33
